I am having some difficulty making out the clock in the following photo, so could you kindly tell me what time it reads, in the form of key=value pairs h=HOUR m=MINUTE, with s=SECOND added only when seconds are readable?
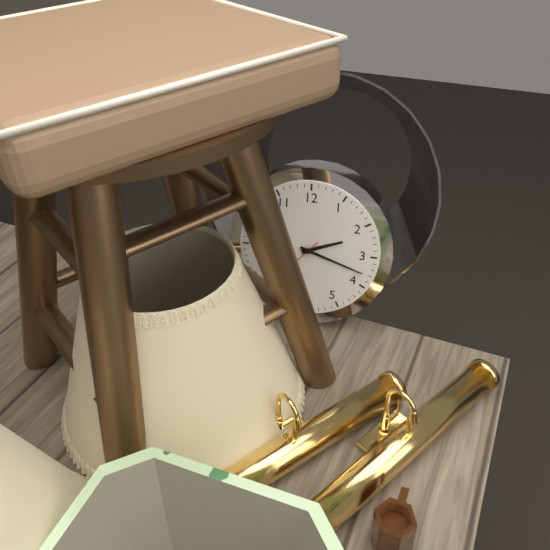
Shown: h=2 m=18
